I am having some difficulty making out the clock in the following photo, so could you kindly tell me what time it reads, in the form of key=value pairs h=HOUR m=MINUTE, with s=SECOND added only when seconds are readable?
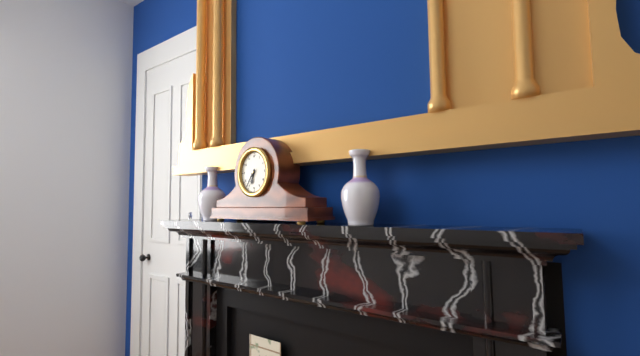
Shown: h=6 m=36
